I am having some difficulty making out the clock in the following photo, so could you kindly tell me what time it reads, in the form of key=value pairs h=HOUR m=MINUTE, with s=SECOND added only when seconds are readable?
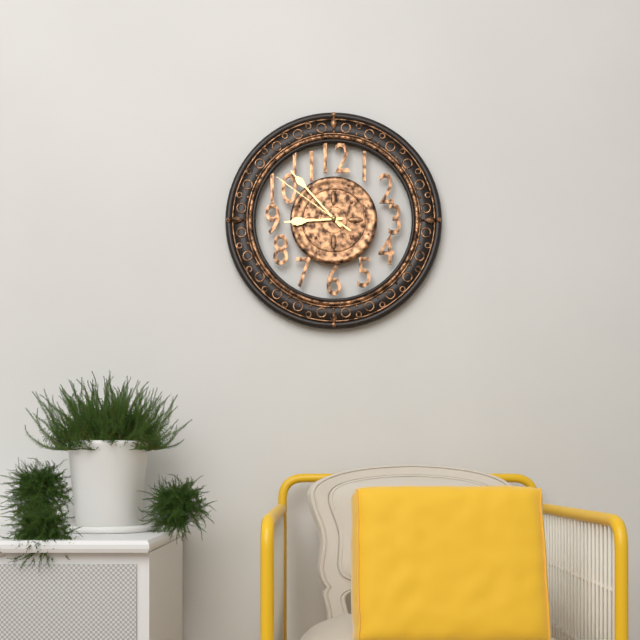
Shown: h=8 m=53 s=51
